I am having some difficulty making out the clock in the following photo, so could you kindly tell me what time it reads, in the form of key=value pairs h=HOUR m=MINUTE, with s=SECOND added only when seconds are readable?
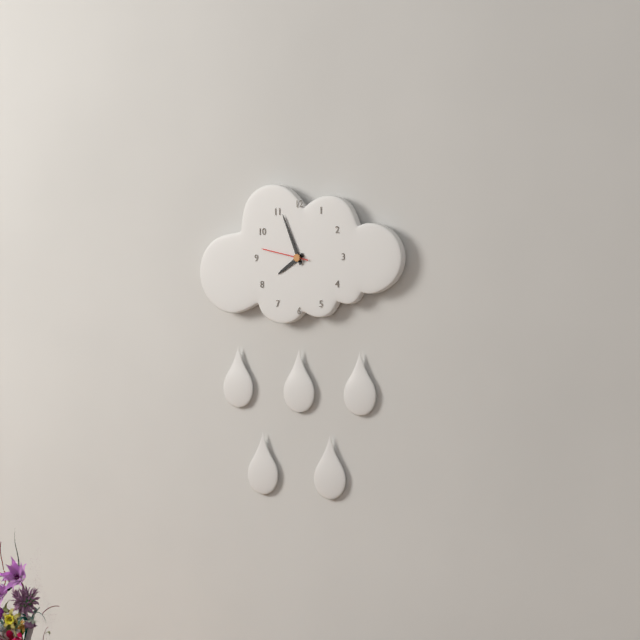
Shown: h=7 m=56
